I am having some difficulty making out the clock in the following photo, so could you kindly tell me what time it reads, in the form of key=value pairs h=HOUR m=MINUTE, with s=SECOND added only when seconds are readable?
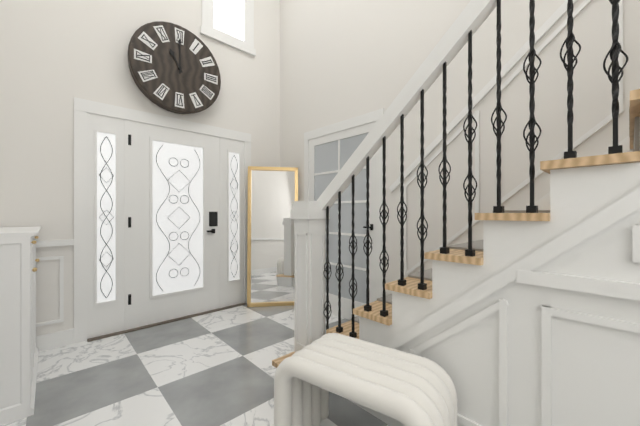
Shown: h=11 m=0
